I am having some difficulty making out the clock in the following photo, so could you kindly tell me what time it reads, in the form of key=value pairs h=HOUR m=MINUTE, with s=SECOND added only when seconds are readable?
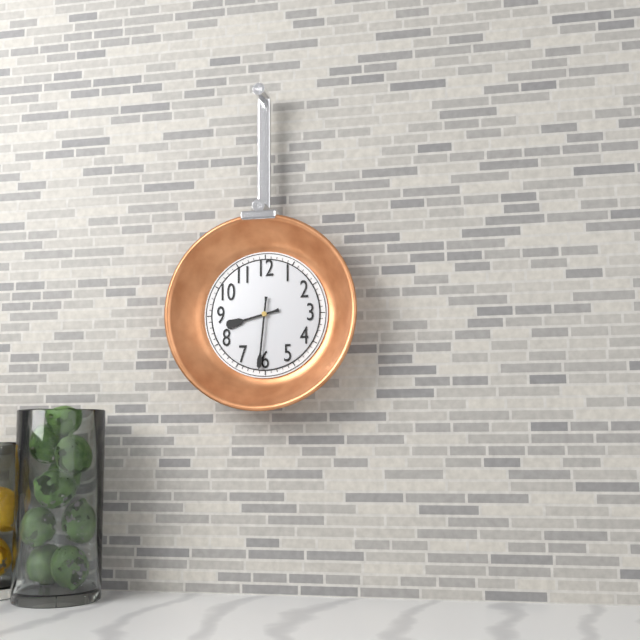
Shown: h=8 m=31
